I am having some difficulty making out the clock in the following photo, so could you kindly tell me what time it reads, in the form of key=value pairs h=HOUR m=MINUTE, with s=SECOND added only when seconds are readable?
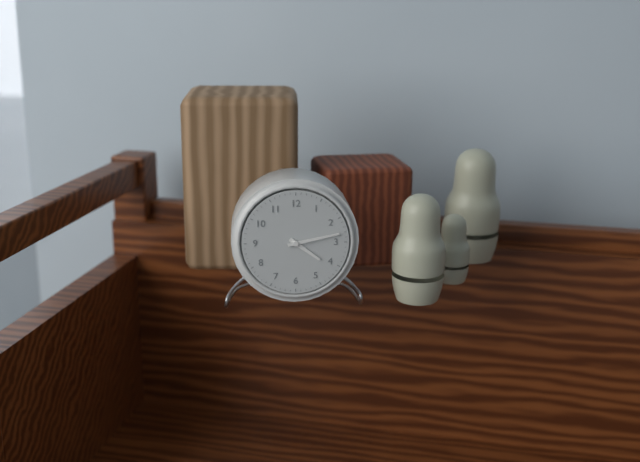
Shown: h=4 m=13
